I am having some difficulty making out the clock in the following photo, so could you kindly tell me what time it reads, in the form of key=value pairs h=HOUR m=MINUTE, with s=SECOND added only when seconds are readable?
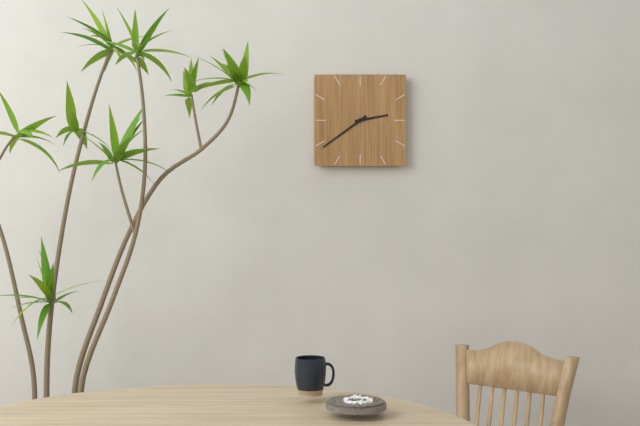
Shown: h=2 m=39
